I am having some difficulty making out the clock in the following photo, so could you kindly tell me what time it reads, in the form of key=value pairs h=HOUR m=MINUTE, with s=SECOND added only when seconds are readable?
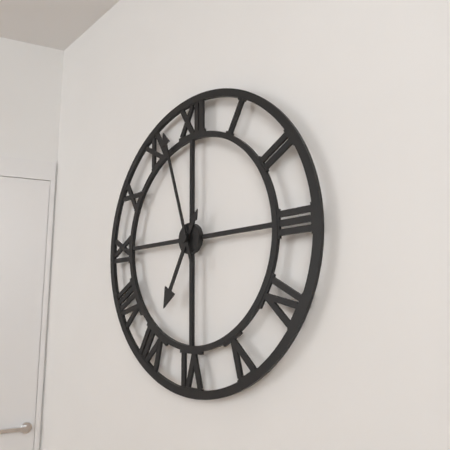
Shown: h=6 m=57
